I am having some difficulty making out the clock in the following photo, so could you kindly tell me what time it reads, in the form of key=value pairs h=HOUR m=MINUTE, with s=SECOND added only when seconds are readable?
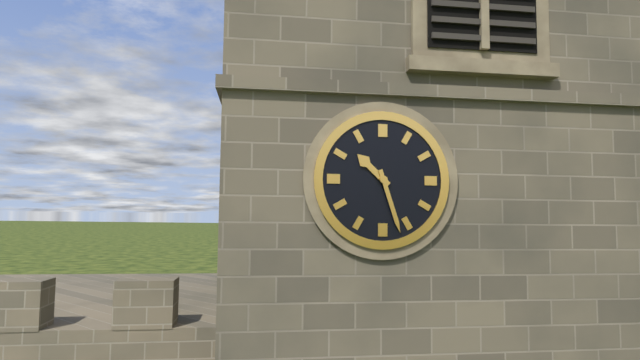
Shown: h=10 m=27
